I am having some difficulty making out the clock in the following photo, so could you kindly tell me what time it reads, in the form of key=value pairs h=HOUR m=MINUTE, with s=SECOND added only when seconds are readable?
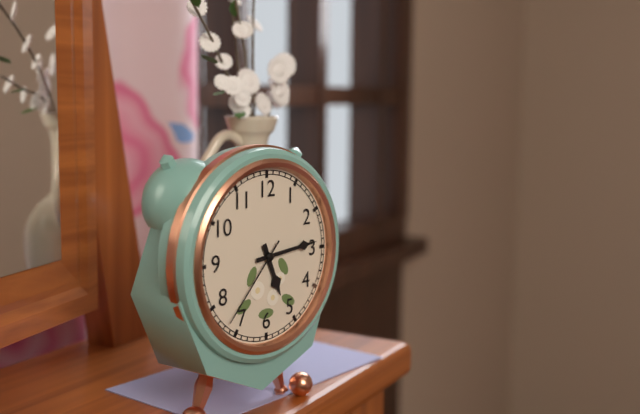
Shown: h=5 m=14 s=37
